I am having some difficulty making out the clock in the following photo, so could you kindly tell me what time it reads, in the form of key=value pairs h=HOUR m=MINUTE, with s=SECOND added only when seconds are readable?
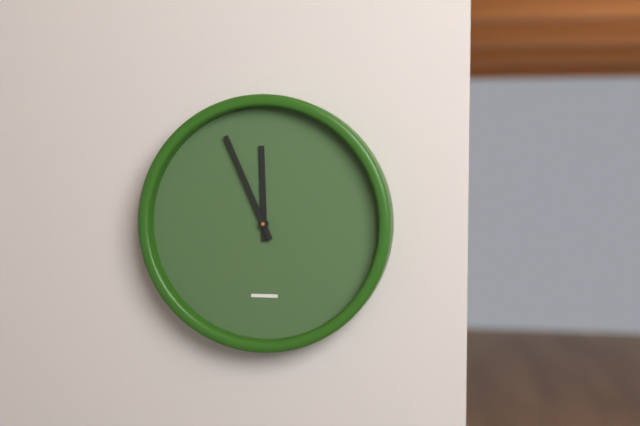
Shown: h=11 m=56
